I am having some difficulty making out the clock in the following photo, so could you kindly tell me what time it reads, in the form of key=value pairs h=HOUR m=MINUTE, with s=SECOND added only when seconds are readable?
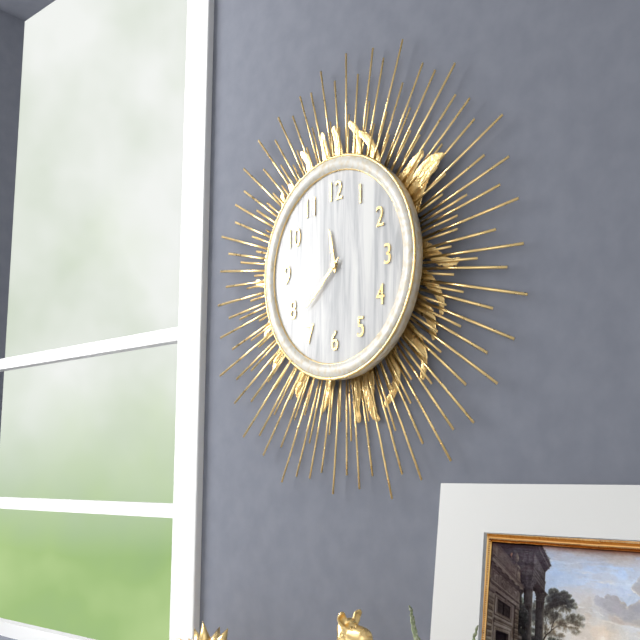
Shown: h=11 m=38
